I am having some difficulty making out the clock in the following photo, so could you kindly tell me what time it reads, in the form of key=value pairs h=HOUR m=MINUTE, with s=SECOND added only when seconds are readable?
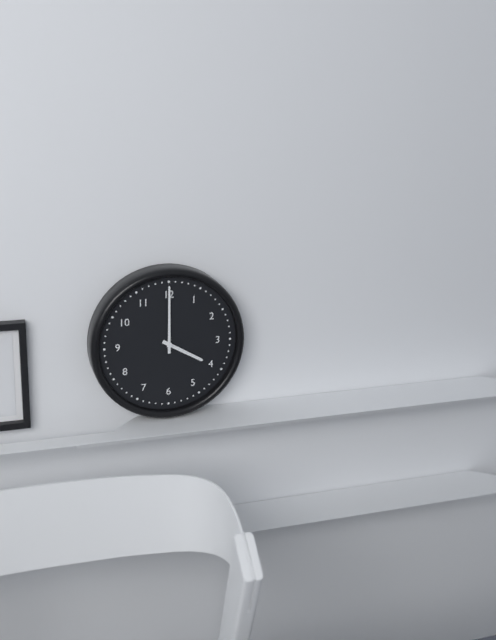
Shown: h=4 m=0
